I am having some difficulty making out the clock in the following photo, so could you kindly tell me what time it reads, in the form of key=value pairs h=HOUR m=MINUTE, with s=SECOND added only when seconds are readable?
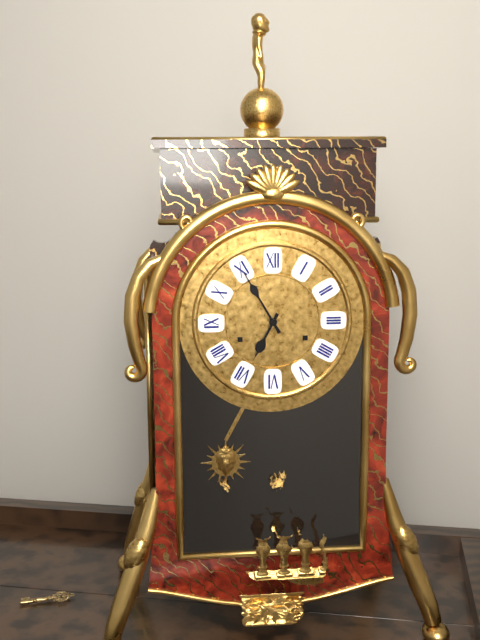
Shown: h=6 m=55
